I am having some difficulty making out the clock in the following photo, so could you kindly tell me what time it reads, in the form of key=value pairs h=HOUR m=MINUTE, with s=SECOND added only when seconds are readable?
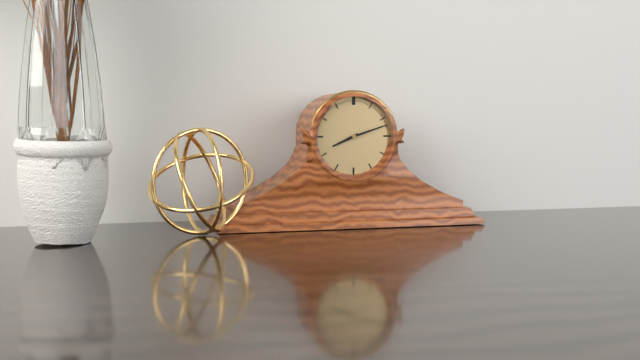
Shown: h=8 m=12
